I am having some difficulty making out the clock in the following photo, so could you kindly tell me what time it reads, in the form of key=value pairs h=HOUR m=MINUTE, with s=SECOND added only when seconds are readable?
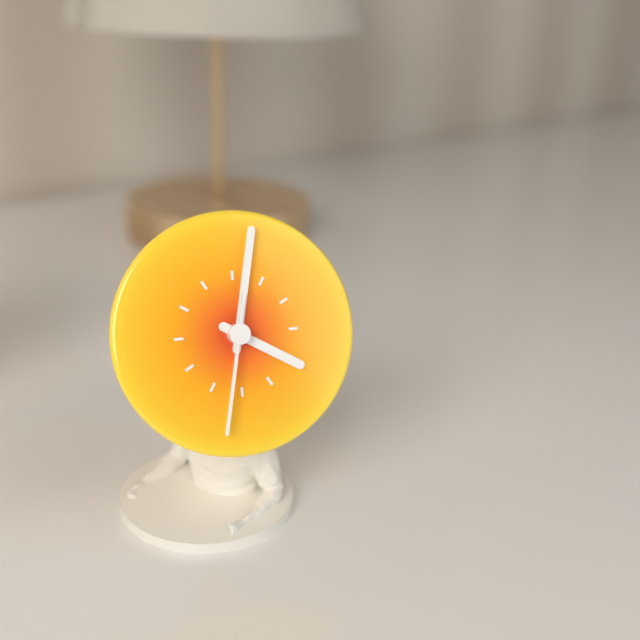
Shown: h=4 m=2 s=32
